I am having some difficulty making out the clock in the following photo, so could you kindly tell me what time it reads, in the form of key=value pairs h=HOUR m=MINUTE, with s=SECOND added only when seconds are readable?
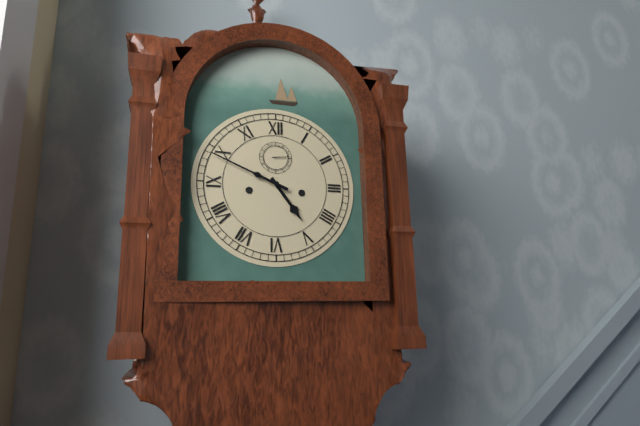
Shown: h=4 m=49
